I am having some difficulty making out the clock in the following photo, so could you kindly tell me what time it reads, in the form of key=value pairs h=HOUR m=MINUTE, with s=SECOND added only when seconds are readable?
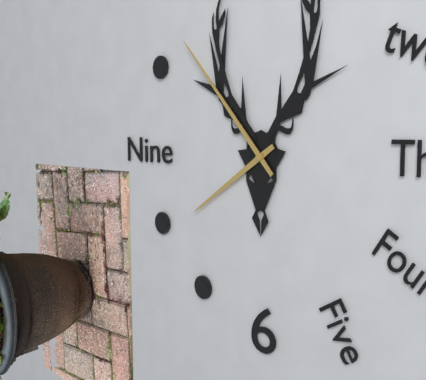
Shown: h=7 m=53
